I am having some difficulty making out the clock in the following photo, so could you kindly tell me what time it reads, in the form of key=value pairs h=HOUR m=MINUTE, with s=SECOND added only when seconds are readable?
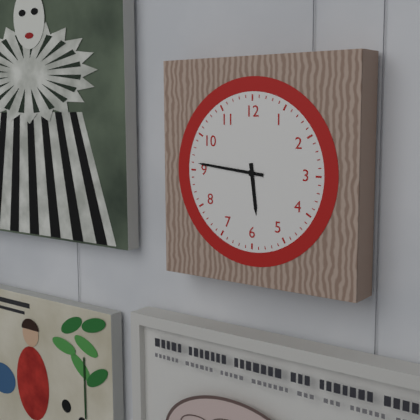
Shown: h=5 m=46
